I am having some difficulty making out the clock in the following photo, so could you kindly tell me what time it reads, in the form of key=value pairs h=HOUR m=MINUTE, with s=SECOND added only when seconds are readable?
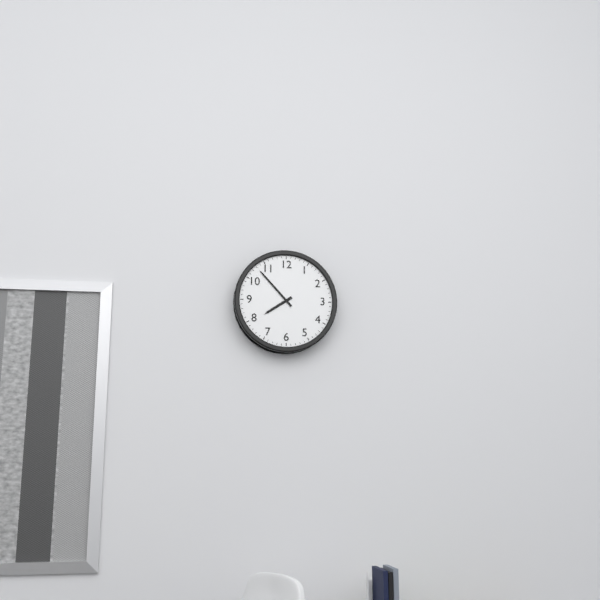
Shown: h=7 m=53
